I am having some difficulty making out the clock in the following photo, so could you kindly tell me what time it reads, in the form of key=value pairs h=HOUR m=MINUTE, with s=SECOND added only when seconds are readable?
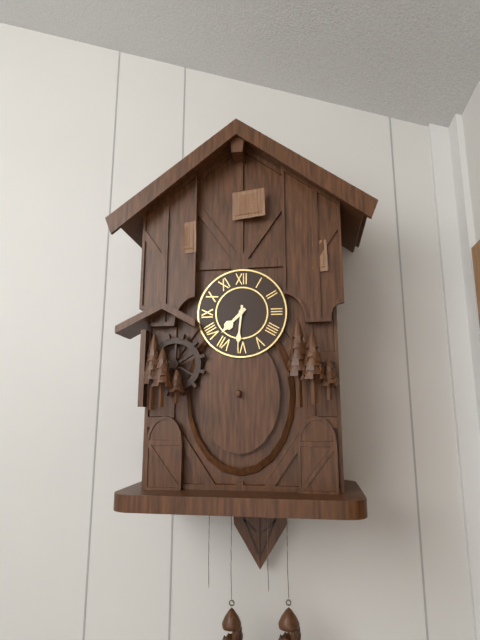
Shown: h=7 m=31
